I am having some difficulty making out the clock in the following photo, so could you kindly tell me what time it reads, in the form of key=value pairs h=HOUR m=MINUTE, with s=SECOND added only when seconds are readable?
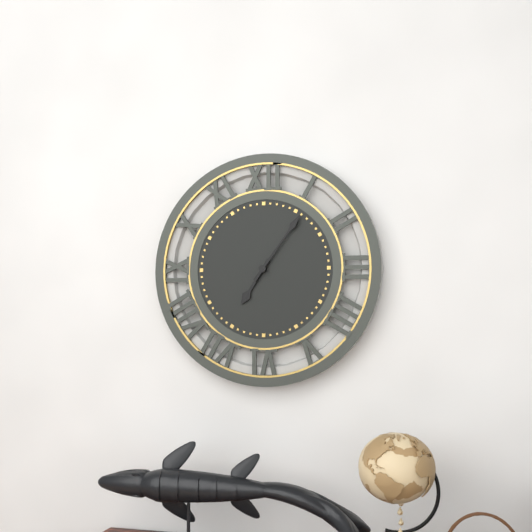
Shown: h=7 m=6
